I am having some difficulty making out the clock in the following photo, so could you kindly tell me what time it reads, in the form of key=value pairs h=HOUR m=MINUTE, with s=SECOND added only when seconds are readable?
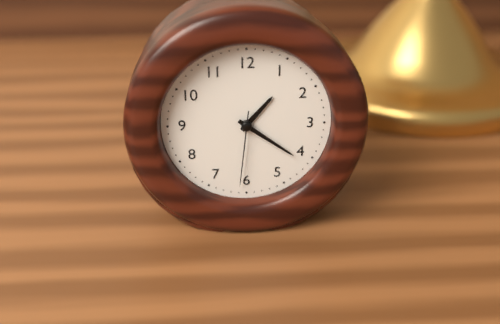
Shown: h=1 m=21 s=31
